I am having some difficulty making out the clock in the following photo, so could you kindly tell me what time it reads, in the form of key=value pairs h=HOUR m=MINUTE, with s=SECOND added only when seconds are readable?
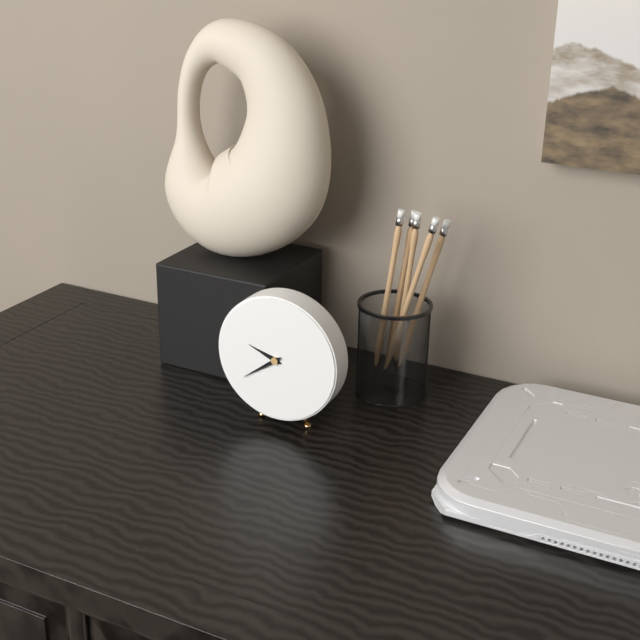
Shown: h=9 m=39
